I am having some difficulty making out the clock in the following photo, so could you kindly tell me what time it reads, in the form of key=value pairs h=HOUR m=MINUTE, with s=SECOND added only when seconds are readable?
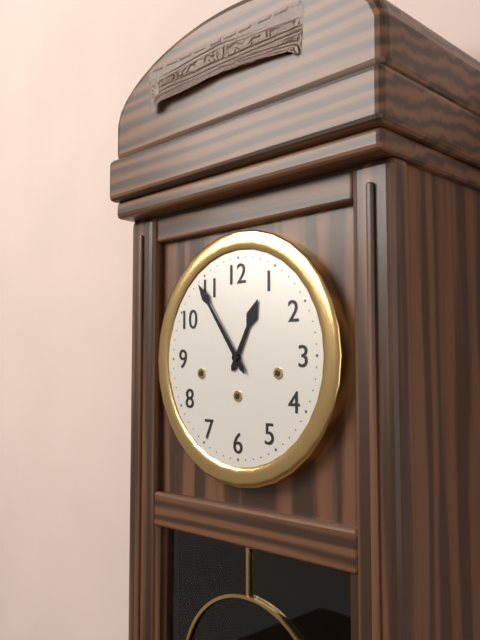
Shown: h=12 m=54
